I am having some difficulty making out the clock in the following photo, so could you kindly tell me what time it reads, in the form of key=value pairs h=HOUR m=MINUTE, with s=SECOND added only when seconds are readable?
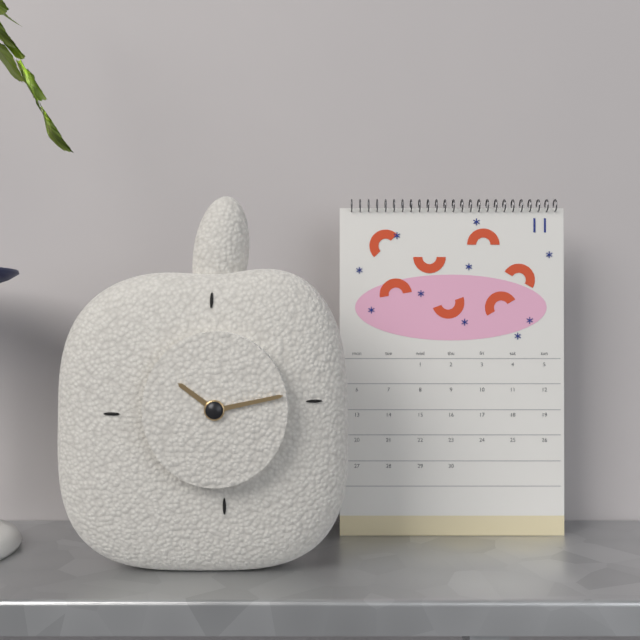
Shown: h=10 m=13
